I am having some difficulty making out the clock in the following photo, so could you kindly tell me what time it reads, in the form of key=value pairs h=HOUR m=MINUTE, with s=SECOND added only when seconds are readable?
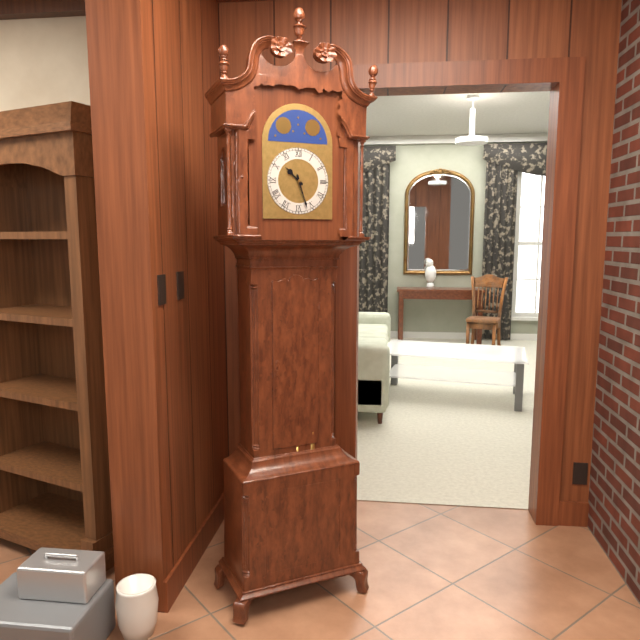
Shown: h=10 m=27
